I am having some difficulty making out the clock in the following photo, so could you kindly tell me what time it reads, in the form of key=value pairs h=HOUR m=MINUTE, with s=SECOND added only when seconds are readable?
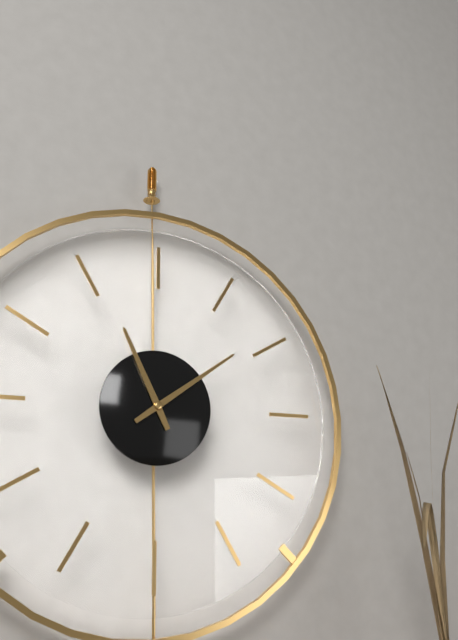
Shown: h=11 m=9
